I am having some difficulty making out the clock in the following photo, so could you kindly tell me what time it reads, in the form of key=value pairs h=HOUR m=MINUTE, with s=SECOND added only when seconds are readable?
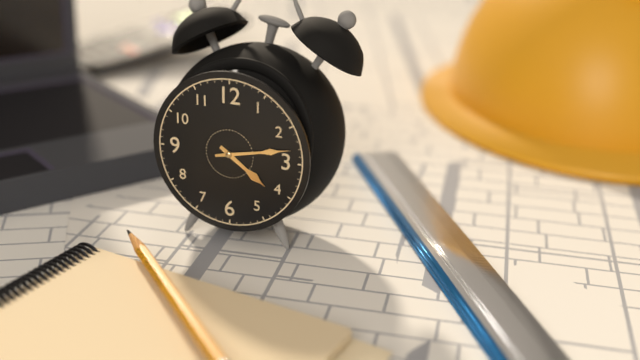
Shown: h=4 m=13
